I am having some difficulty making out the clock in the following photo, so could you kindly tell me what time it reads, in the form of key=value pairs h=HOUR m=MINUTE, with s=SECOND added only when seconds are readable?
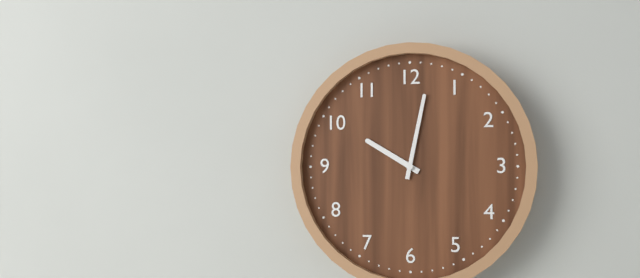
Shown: h=10 m=2
